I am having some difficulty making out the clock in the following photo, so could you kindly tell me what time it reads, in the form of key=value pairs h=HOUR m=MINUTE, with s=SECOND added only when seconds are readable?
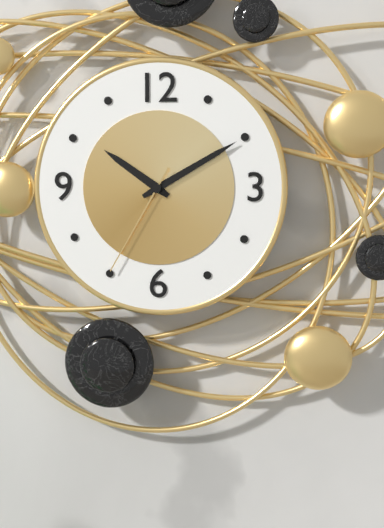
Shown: h=10 m=10 s=35
